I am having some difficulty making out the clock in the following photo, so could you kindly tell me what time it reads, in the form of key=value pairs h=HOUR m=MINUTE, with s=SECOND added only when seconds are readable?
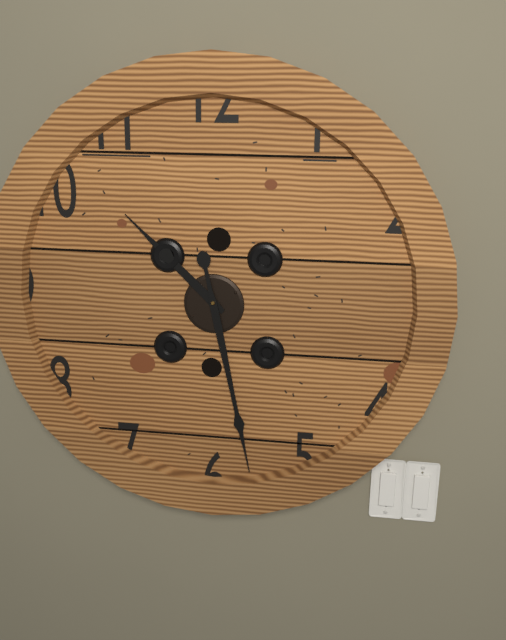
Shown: h=10 m=28
